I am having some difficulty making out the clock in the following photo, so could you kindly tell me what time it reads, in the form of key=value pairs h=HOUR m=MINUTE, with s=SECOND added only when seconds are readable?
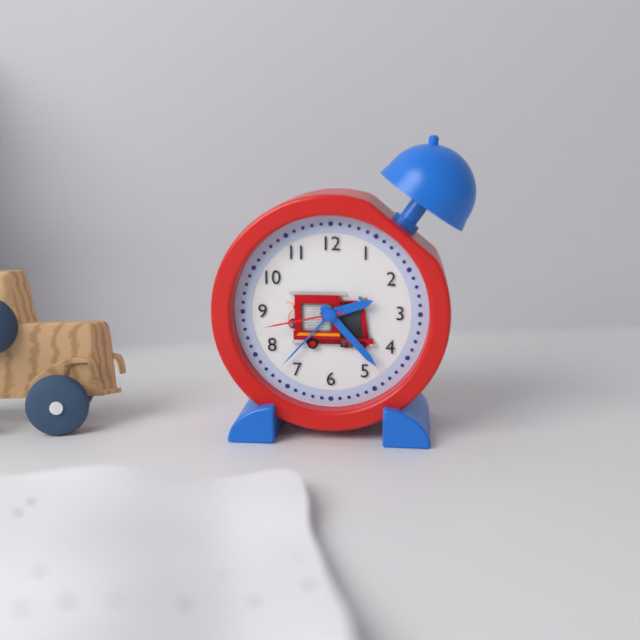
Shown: h=2 m=23 s=43
